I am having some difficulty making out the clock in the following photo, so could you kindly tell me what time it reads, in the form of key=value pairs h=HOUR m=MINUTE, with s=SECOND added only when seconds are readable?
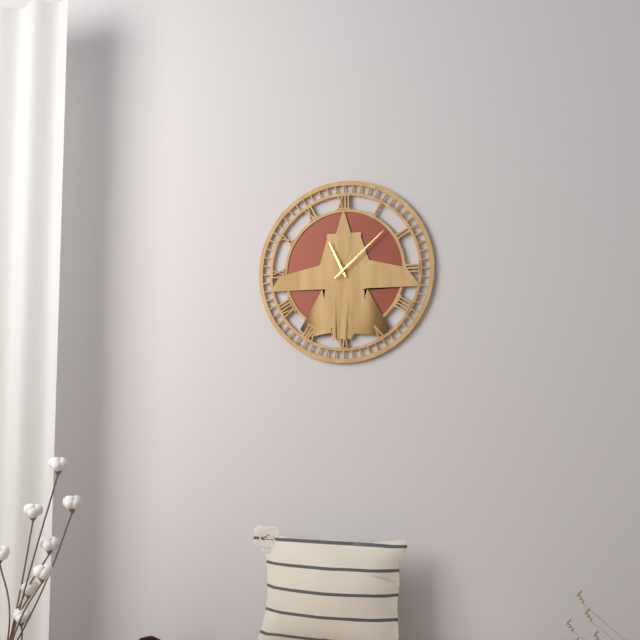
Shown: h=11 m=8
